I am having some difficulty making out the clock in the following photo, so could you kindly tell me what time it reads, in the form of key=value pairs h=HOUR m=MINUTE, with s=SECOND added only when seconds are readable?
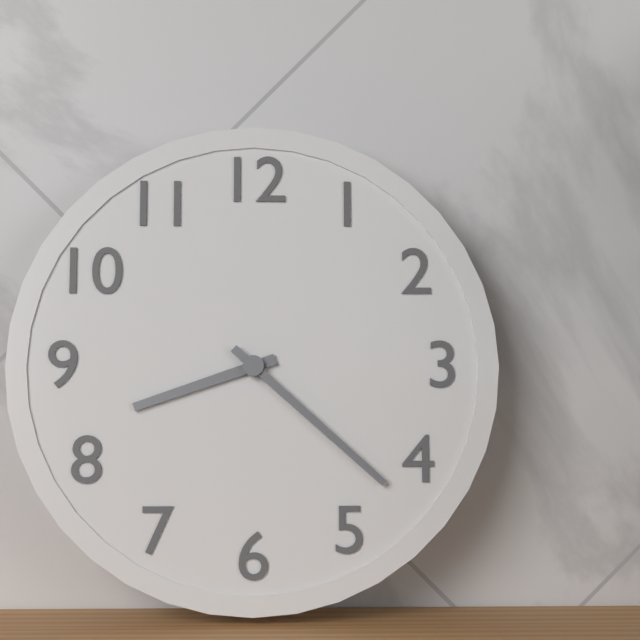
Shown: h=8 m=22
